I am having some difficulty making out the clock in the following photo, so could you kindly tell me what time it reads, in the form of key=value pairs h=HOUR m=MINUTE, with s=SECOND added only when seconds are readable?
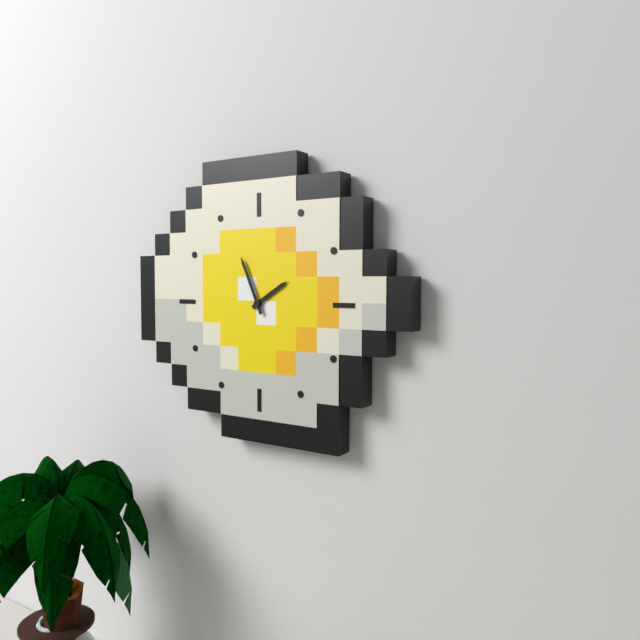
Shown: h=1 m=56
